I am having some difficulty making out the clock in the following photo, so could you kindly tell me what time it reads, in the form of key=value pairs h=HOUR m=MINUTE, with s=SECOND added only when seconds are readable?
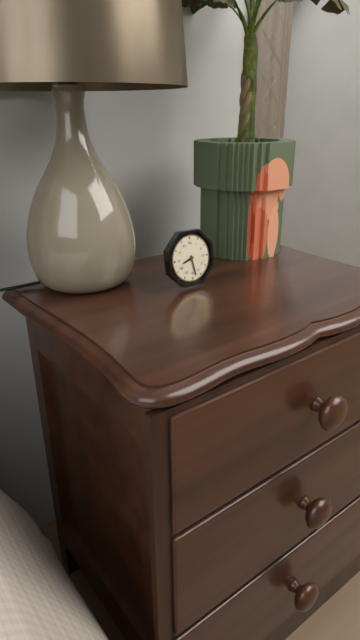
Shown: h=8 m=28
